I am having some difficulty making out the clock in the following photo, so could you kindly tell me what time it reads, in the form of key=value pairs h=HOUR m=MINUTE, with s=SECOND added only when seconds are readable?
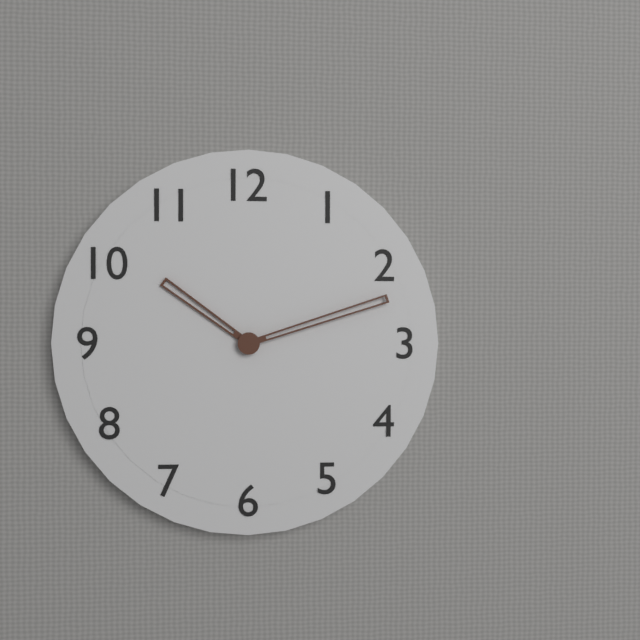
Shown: h=10 m=12
